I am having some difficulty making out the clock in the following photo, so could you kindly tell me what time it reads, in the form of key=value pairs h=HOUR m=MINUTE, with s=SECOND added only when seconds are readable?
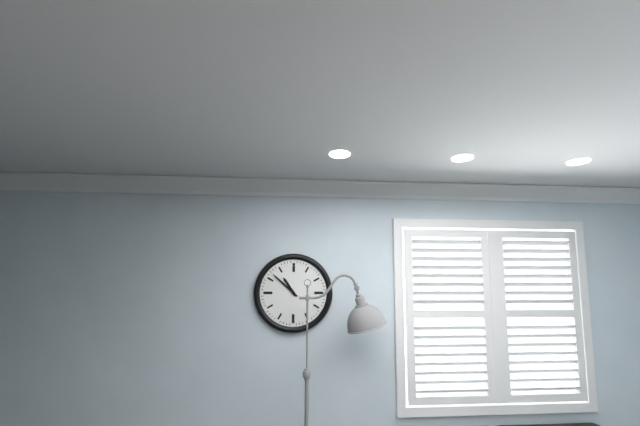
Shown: h=10 m=52
